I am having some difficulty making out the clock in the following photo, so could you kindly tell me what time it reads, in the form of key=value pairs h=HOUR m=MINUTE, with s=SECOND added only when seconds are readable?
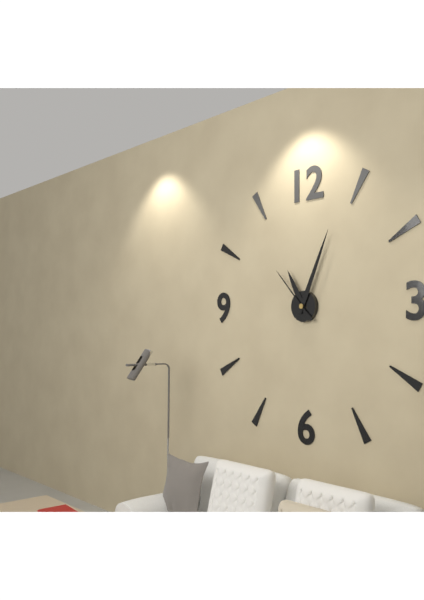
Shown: h=11 m=4 s=53
